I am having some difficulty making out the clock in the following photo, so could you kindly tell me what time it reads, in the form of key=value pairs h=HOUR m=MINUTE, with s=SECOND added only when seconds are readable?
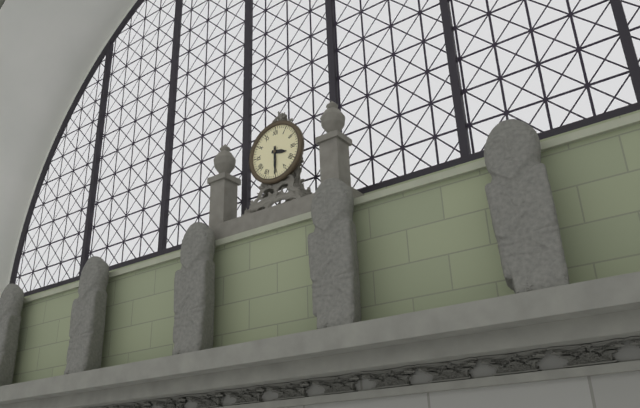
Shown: h=3 m=30
